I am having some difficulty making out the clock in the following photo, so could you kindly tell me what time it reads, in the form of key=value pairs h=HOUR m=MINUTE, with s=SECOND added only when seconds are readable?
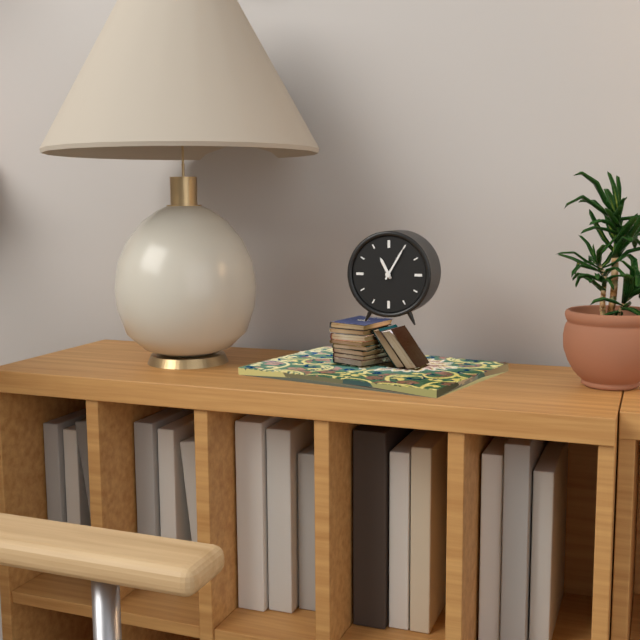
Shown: h=11 m=5
